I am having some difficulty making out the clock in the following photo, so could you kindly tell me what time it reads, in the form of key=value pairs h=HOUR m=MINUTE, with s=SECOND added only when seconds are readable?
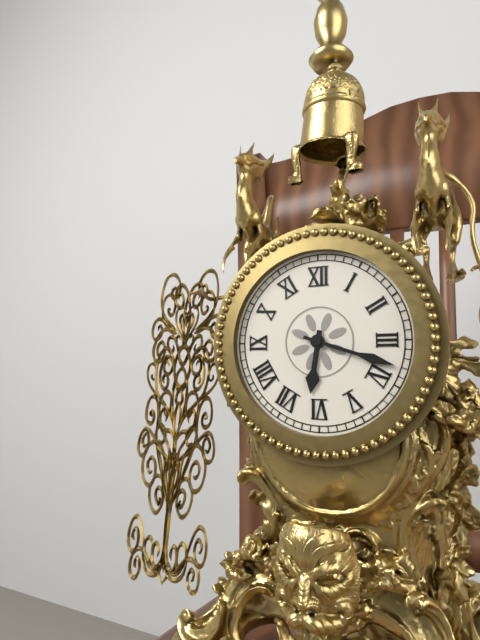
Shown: h=6 m=18
